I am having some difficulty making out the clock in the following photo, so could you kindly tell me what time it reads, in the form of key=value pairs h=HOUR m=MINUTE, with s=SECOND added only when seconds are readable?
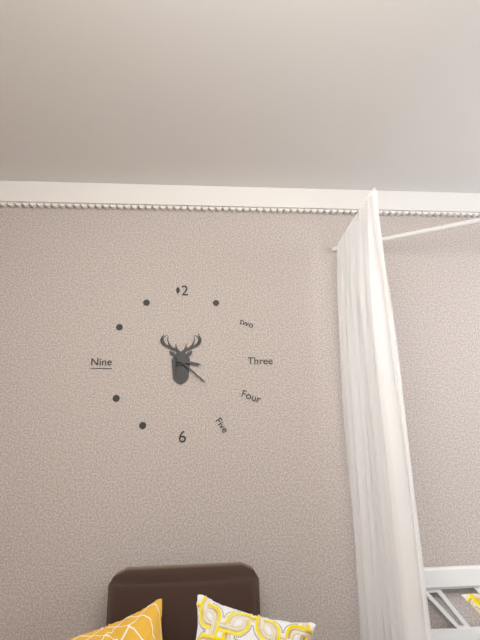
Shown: h=3 m=22
